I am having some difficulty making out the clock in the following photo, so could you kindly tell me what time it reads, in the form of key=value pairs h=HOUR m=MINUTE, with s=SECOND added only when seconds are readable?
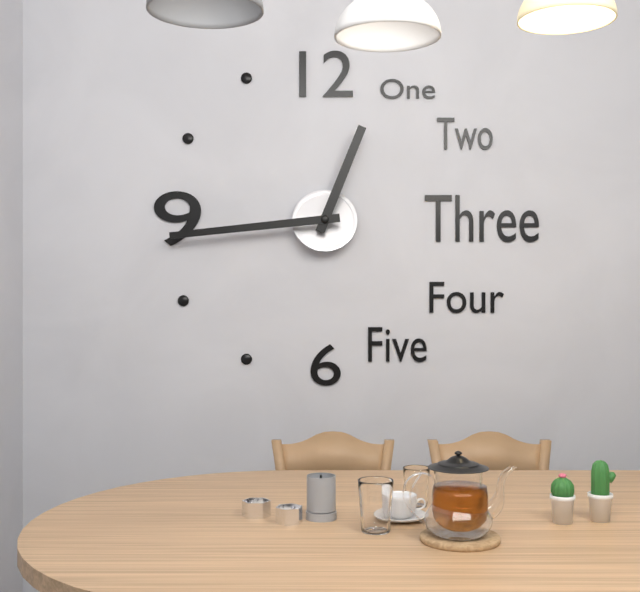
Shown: h=12 m=44
